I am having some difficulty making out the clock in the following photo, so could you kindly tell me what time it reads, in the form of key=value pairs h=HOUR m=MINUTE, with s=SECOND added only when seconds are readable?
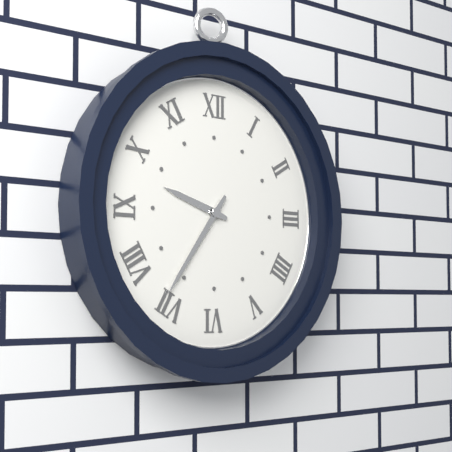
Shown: h=9 m=36
